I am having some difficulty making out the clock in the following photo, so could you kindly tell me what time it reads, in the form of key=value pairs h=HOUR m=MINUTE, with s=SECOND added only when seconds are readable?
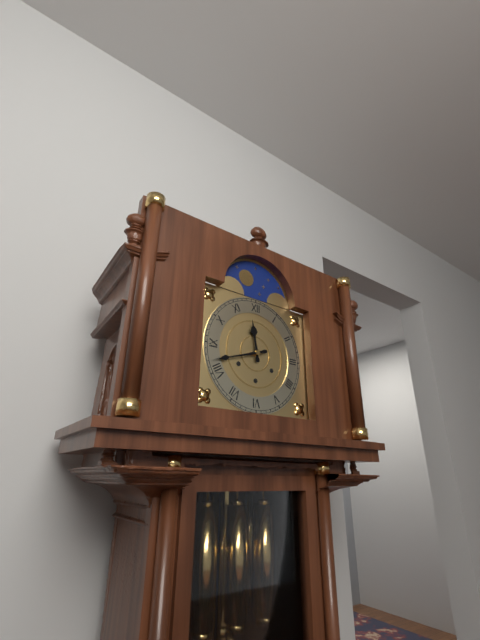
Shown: h=11 m=42
